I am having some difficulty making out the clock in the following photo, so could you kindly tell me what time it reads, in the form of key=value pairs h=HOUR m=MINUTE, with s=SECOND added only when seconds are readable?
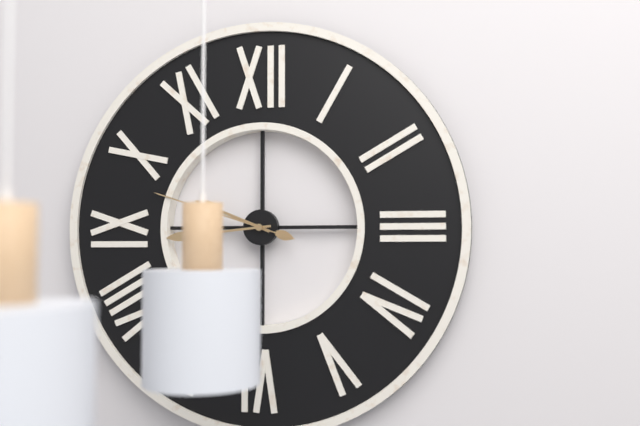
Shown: h=9 m=44 s=48
